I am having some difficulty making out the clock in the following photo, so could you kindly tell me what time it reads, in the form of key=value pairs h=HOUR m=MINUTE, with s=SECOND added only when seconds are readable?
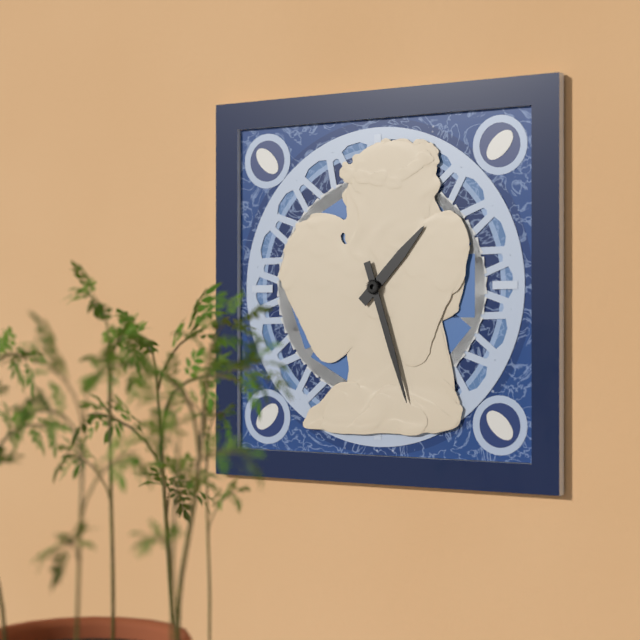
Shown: h=1 m=27
